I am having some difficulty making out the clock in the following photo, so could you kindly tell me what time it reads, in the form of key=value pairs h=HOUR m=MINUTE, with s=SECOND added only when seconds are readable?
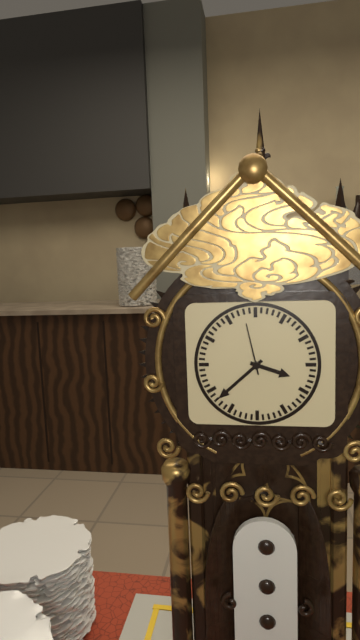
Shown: h=3 m=38 s=58
